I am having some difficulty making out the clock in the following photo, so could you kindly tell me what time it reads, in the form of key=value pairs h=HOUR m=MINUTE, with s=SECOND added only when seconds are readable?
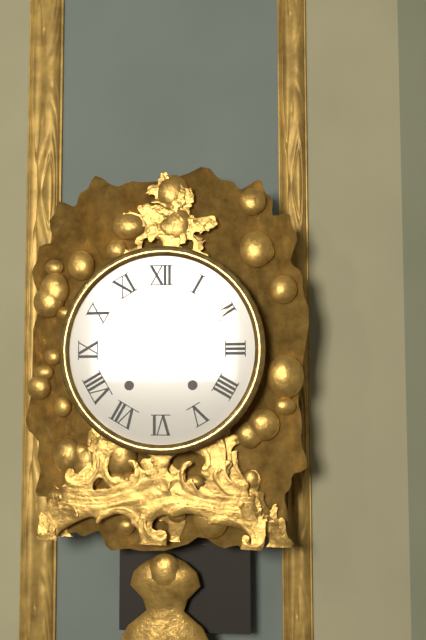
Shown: h=8 m=10
